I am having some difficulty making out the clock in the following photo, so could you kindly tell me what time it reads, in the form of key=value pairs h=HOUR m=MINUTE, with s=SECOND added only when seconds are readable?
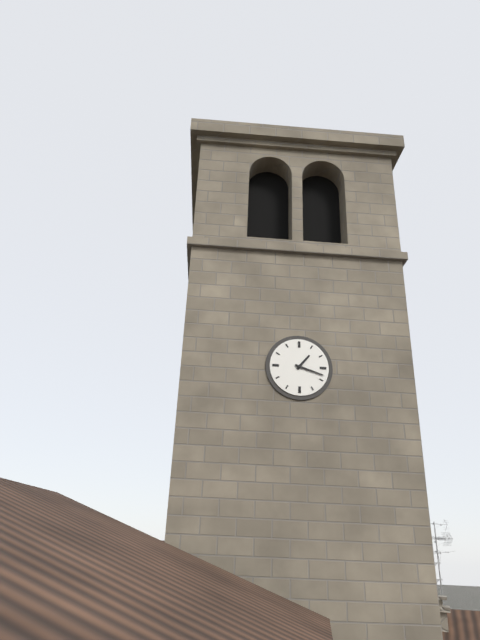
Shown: h=1 m=18
